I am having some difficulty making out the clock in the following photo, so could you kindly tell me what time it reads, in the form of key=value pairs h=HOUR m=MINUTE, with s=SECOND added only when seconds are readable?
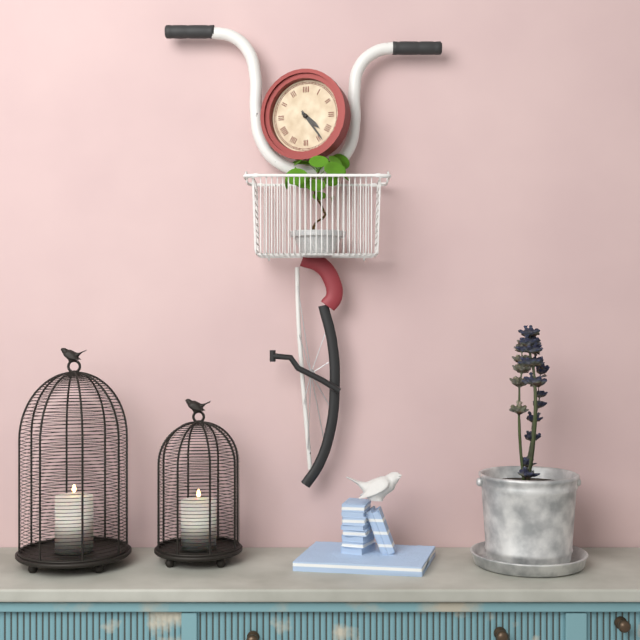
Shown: h=4 m=24
